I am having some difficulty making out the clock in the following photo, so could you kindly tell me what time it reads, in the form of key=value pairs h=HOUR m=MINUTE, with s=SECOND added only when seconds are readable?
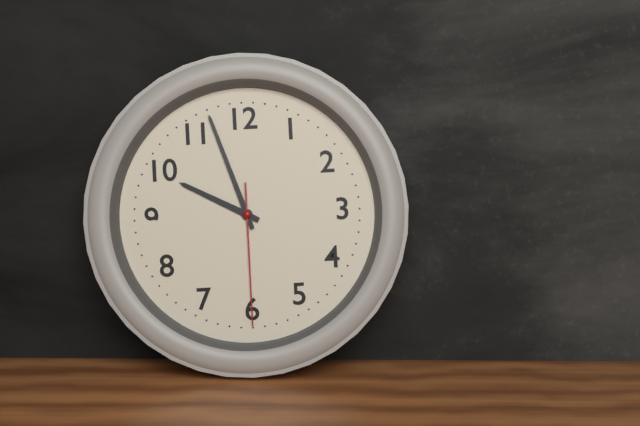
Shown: h=9 m=57 s=30
